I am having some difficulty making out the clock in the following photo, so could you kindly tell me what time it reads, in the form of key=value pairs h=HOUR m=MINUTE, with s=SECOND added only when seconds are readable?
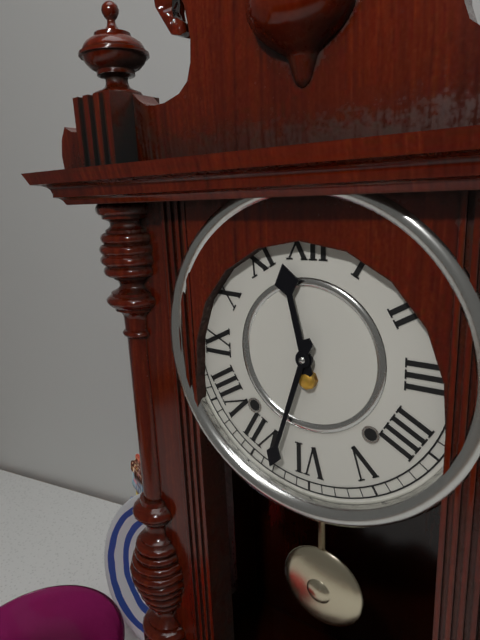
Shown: h=11 m=33
